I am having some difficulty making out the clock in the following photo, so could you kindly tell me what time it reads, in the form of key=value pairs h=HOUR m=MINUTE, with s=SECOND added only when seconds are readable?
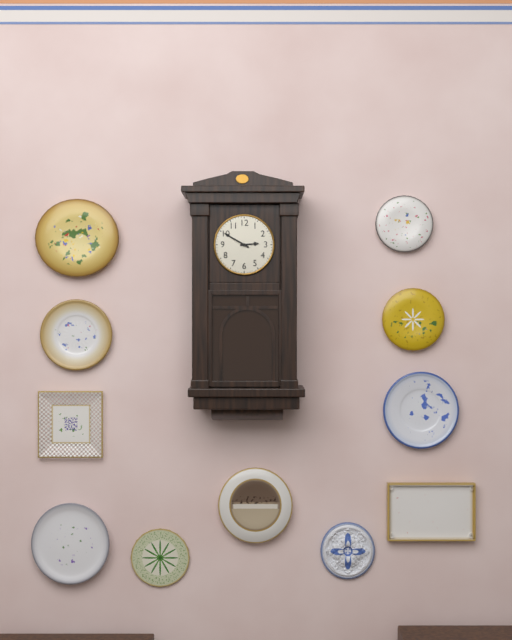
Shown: h=2 m=50
